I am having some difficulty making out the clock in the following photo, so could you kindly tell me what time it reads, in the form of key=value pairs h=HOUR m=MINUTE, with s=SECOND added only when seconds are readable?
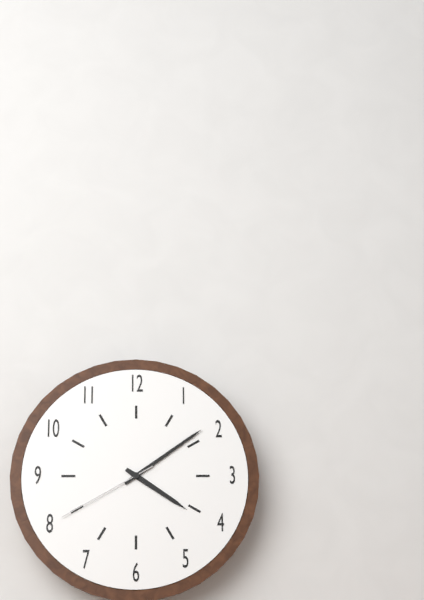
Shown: h=4 m=9 s=40
